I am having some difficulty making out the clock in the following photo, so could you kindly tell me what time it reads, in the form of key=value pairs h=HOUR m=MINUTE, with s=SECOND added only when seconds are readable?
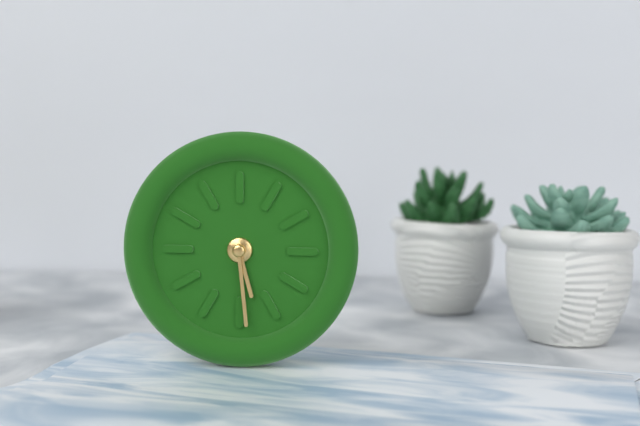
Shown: h=5 m=29
